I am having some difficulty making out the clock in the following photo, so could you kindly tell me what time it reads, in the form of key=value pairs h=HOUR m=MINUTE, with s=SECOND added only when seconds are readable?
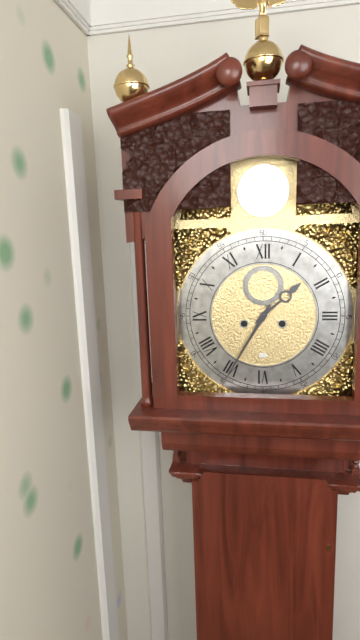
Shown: h=1 m=35
